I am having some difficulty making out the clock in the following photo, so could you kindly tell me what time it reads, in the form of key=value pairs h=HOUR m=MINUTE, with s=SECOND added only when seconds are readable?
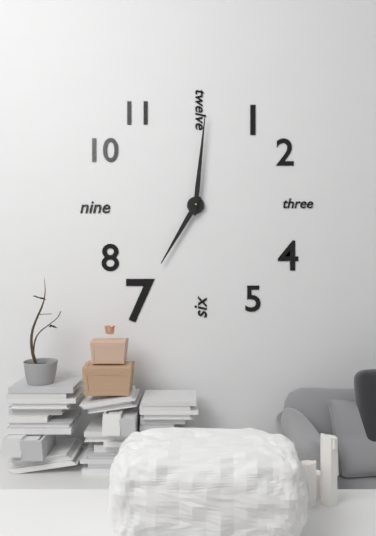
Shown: h=7 m=1
